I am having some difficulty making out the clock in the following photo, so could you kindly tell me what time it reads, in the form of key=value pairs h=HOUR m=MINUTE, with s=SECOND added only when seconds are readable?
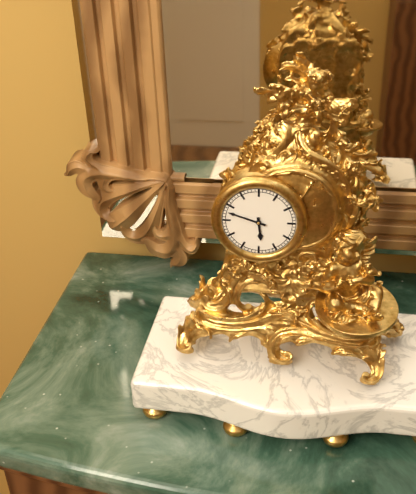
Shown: h=5 m=48
